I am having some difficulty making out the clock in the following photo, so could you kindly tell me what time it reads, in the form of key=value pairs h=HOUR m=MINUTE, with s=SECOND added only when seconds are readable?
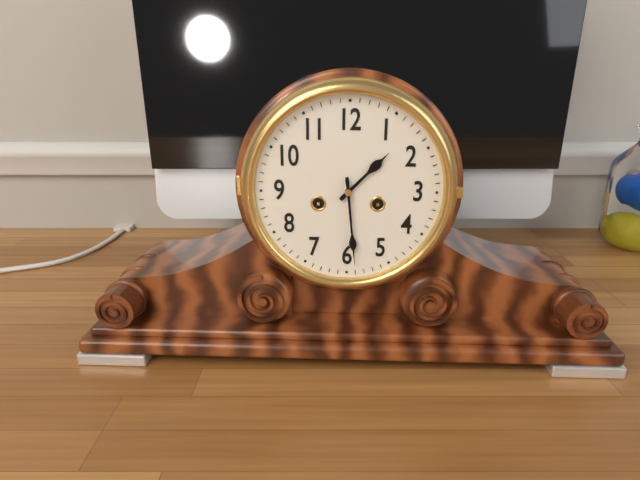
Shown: h=1 m=29
